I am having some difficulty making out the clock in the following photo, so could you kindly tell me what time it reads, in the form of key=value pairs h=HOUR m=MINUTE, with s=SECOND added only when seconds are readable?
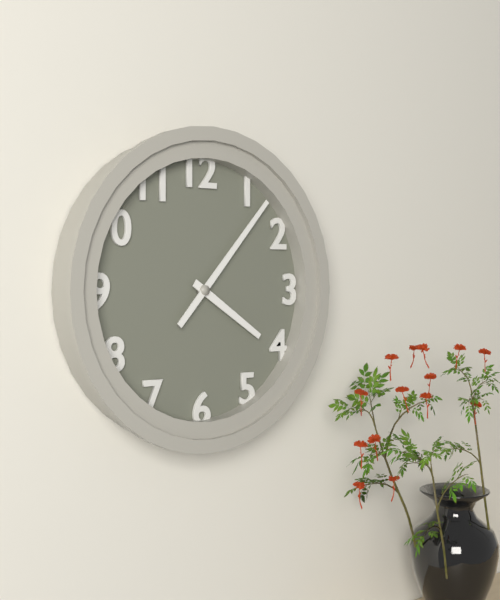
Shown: h=4 m=7
